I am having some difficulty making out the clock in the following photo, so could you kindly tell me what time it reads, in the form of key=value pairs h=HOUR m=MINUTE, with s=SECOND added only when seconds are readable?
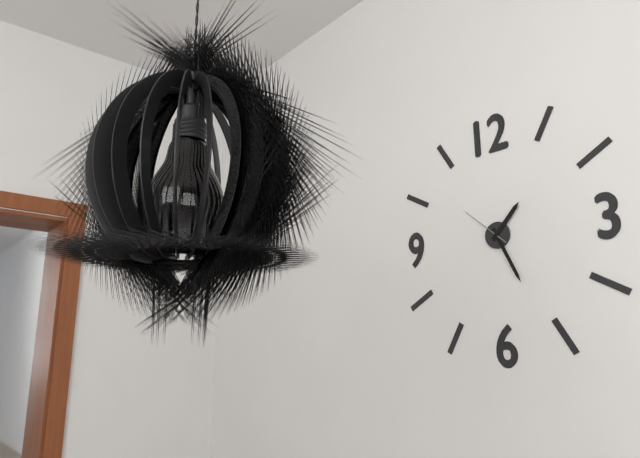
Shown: h=1 m=26 s=52
